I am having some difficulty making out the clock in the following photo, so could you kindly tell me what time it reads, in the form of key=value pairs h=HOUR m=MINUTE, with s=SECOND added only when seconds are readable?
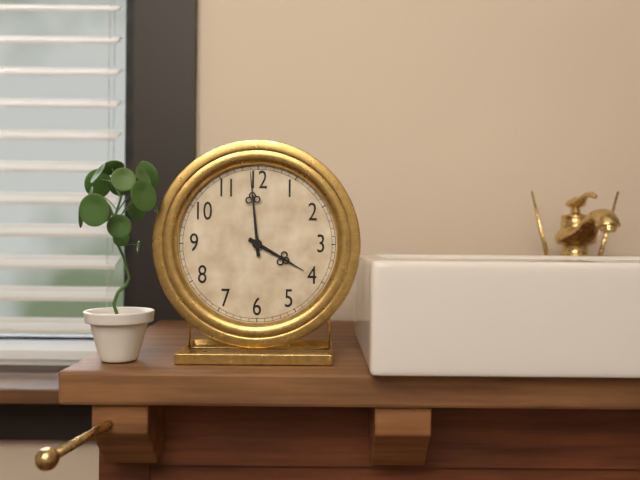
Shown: h=3 m=59
